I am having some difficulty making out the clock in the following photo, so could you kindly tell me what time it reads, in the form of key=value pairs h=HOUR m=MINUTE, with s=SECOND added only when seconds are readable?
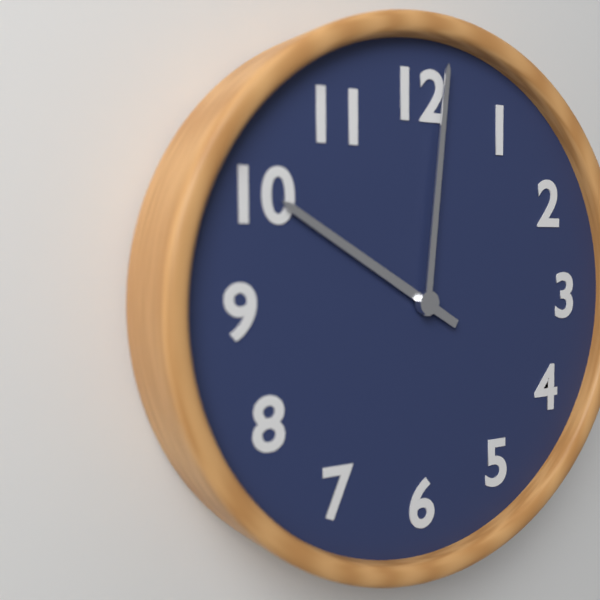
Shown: h=10 m=1
